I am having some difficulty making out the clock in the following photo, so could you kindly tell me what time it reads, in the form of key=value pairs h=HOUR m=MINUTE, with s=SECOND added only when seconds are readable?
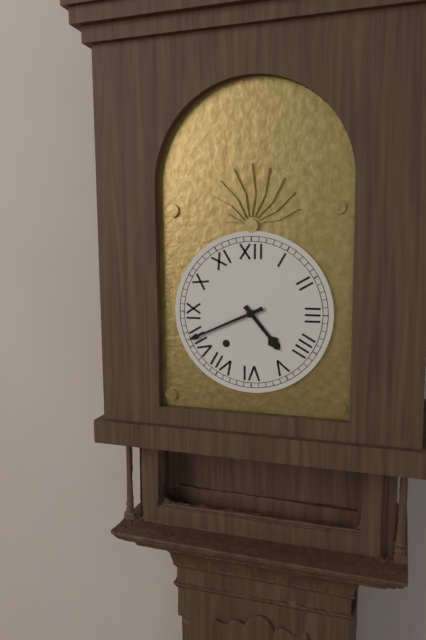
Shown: h=4 m=41
